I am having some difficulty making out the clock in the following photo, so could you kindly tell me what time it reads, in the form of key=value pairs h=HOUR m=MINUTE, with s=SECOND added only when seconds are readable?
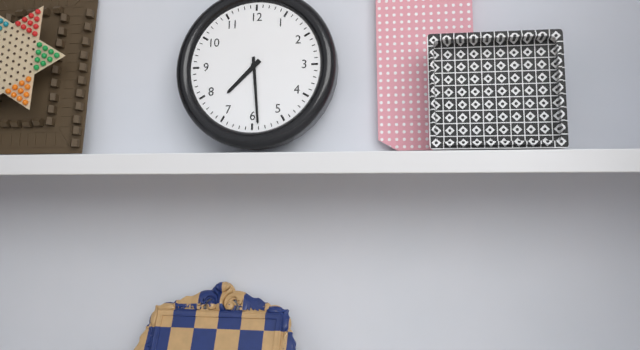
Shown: h=7 m=29
